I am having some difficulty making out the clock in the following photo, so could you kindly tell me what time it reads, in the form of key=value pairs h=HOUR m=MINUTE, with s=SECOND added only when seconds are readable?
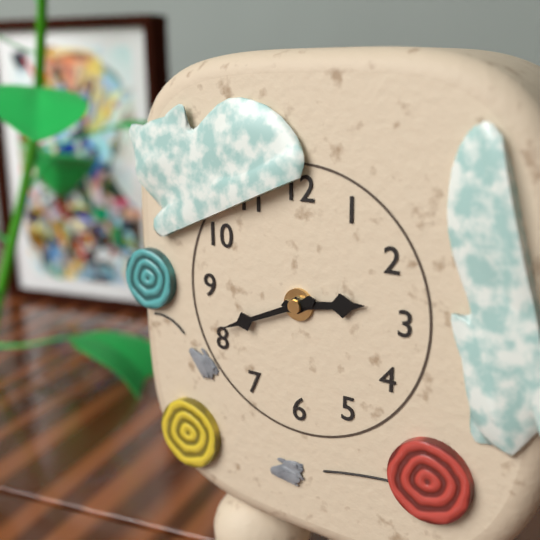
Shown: h=2 m=41
